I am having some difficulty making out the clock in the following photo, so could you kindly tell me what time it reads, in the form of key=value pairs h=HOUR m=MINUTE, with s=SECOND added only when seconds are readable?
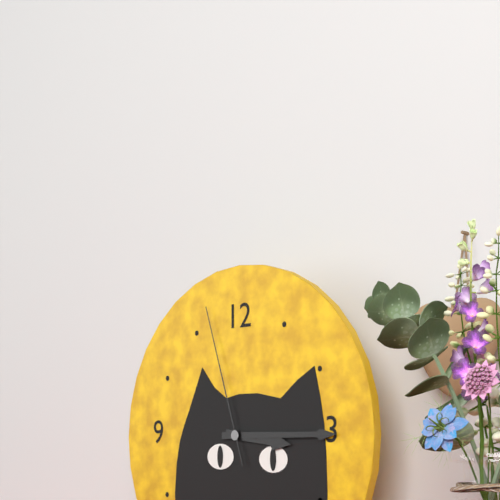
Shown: h=3 m=15 s=57
